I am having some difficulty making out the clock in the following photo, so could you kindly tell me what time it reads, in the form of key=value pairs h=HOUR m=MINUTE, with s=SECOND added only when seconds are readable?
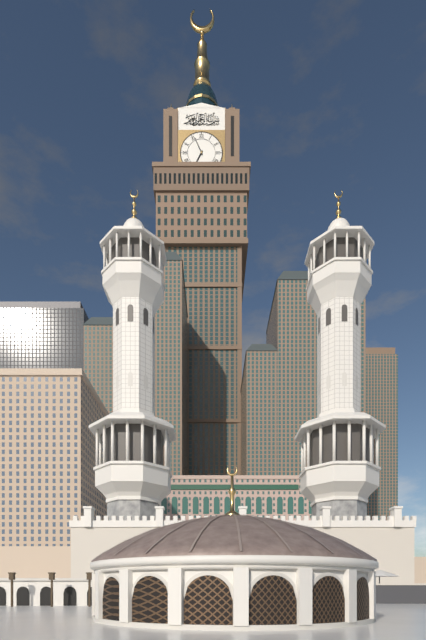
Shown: h=6 m=56
